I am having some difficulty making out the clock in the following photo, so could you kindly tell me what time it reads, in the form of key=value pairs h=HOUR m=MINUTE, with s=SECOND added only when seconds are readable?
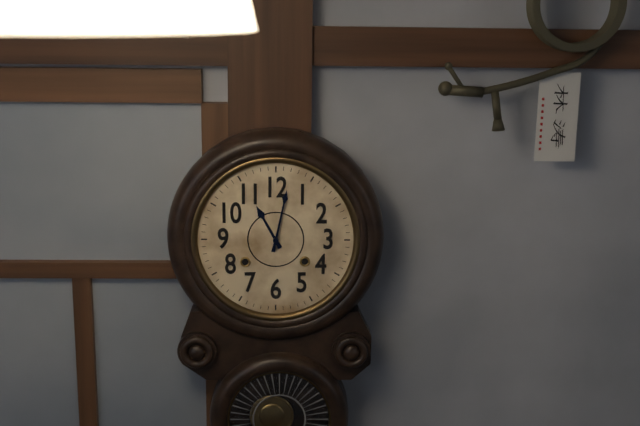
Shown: h=11 m=2
